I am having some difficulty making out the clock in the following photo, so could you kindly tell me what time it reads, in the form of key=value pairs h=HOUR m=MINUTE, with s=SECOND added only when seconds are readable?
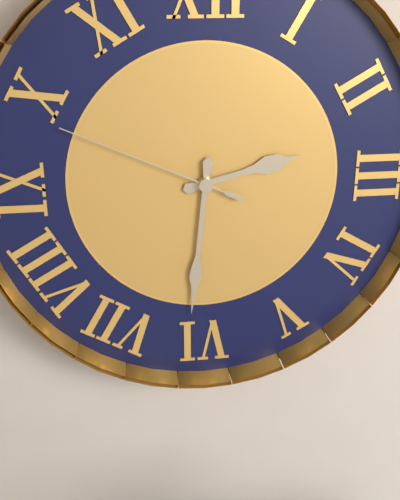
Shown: h=2 m=31 s=49
